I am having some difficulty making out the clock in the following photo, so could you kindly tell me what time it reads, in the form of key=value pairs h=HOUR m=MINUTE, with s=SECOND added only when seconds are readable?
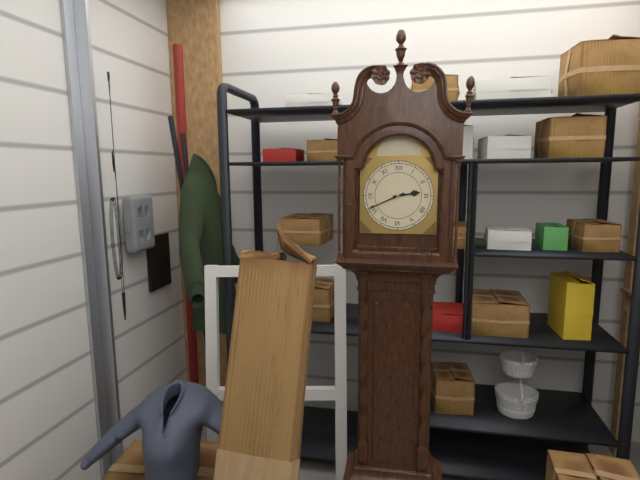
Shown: h=2 m=41
